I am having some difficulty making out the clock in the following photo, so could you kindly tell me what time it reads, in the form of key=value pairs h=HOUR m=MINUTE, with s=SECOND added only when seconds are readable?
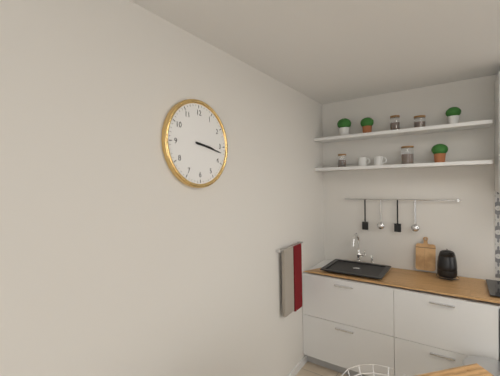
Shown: h=3 m=17
